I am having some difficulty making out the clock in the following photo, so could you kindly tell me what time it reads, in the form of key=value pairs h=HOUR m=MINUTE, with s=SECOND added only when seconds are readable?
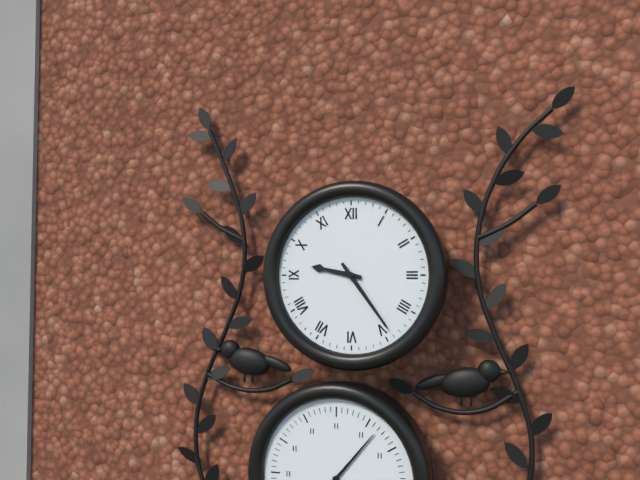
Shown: h=9 m=24
